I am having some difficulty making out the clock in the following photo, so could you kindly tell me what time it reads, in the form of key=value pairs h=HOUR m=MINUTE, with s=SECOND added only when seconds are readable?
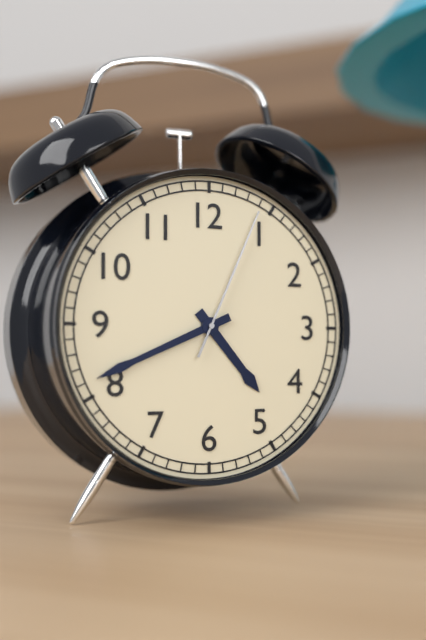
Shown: h=4 m=41 s=4
